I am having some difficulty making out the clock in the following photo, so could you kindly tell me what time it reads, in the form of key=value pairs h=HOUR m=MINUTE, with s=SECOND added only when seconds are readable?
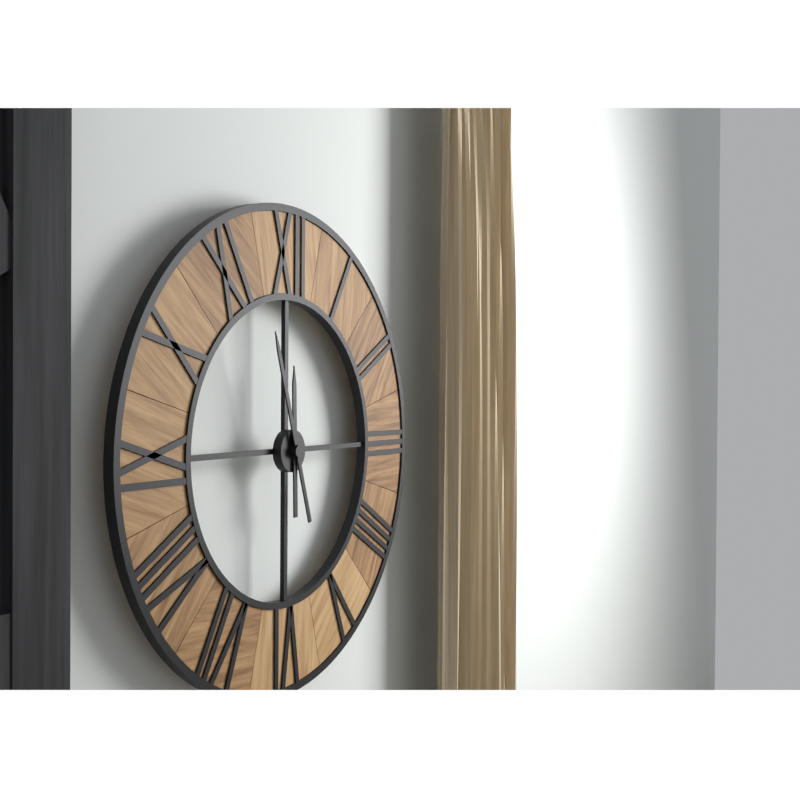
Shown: h=11 m=57
